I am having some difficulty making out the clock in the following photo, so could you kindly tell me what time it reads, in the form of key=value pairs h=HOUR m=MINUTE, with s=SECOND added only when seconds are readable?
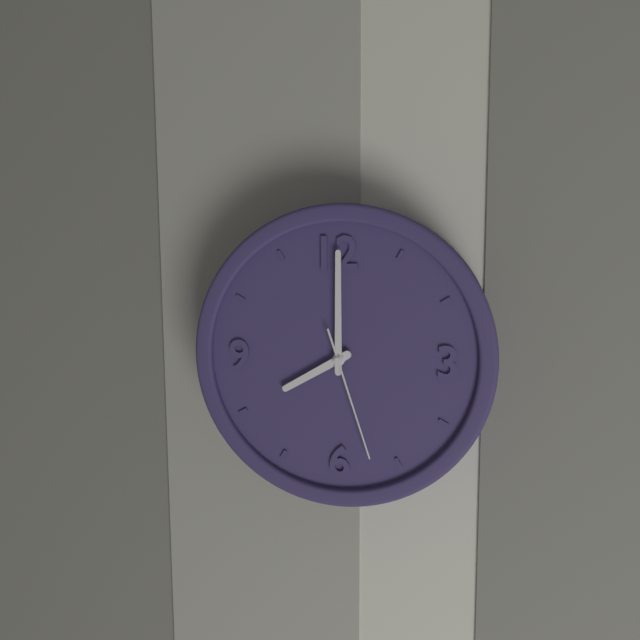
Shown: h=8 m=0 s=27
